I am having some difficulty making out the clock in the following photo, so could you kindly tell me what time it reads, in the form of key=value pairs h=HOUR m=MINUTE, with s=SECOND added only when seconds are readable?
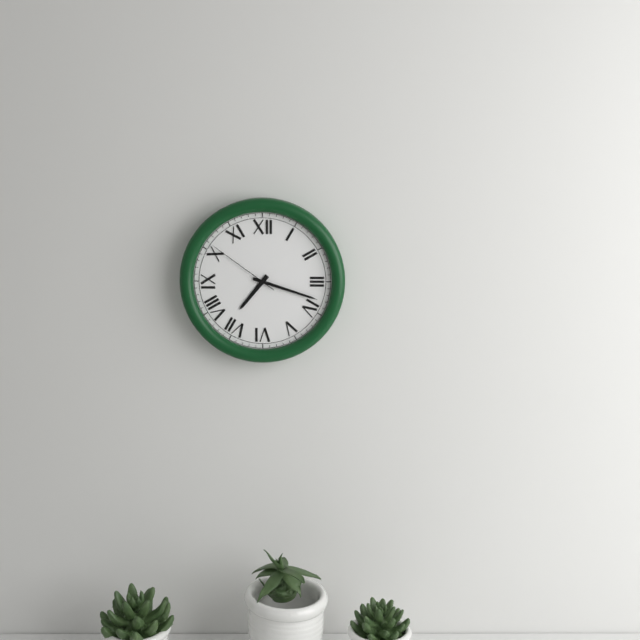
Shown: h=7 m=18 s=51
